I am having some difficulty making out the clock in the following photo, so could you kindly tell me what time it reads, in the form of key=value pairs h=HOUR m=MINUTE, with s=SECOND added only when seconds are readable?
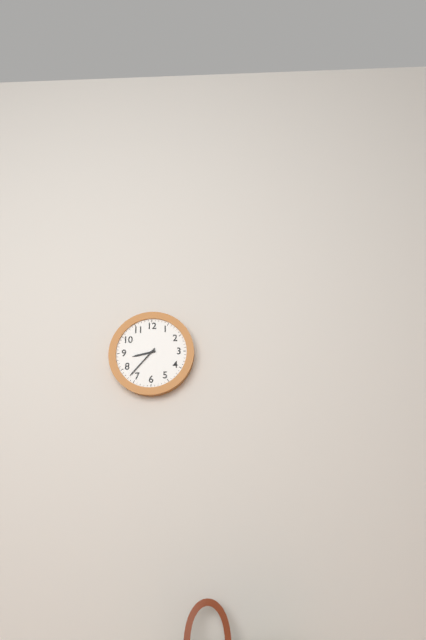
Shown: h=8 m=37
